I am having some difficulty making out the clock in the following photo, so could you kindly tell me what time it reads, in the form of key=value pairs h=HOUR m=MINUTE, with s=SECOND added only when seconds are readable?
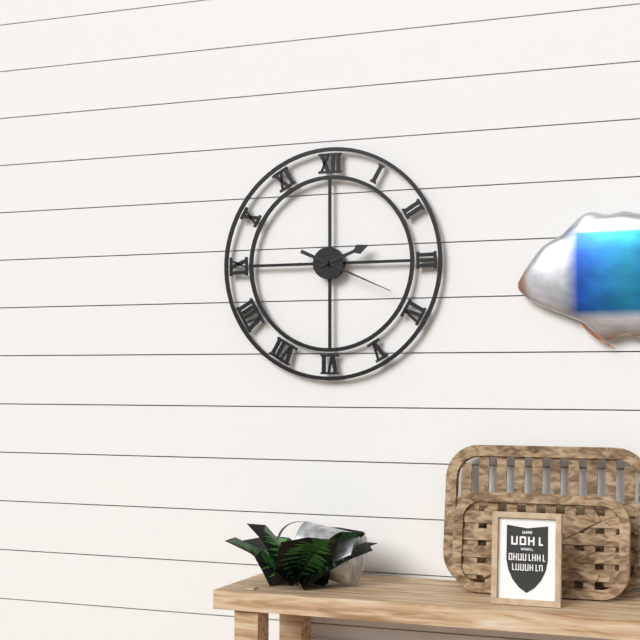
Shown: h=2 m=19
